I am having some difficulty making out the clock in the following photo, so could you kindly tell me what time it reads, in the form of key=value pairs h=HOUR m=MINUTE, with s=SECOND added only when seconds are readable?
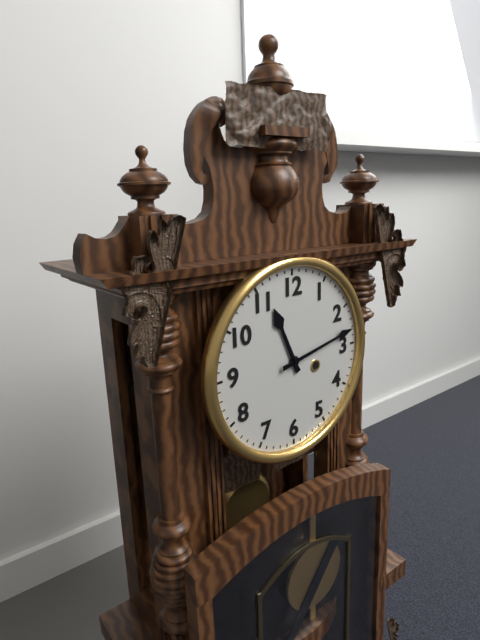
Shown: h=11 m=13
